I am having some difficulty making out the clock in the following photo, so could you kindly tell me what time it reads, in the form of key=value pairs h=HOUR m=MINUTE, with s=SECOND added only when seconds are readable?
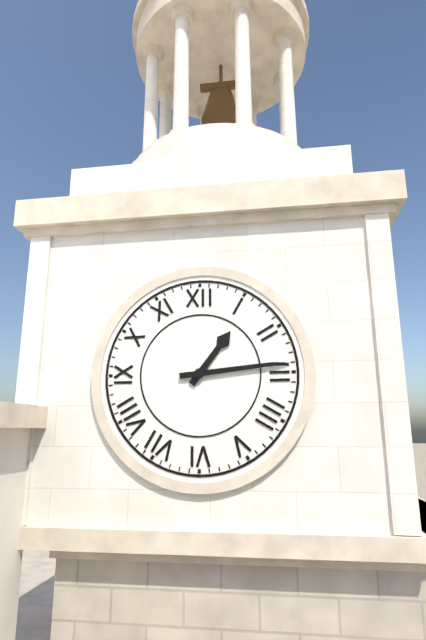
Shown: h=1 m=14
